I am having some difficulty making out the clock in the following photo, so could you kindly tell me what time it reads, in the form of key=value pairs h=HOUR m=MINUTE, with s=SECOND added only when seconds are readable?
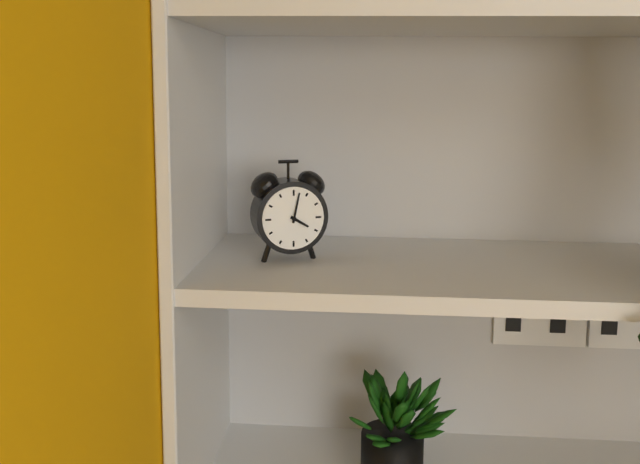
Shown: h=4 m=2
